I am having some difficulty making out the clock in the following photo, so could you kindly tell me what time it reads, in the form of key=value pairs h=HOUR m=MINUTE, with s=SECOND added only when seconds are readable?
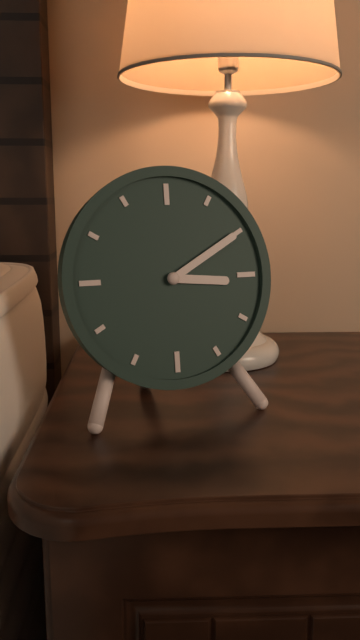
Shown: h=3 m=10
